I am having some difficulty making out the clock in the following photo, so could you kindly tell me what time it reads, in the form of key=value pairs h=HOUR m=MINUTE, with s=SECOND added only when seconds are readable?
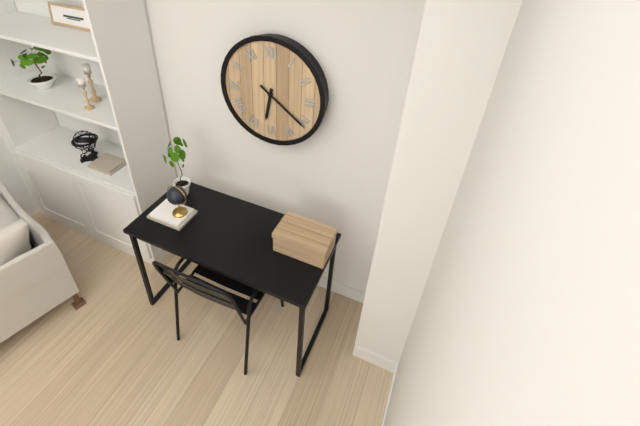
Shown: h=6 m=21
